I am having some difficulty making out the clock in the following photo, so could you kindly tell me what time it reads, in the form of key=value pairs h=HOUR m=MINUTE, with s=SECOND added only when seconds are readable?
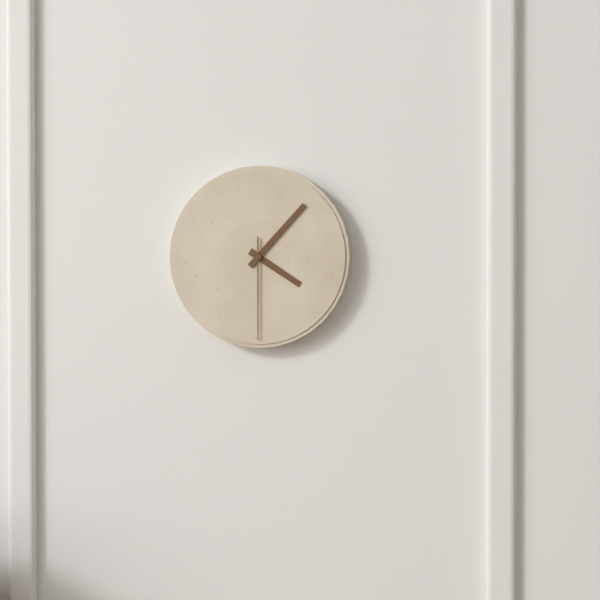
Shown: h=4 m=7 s=30
